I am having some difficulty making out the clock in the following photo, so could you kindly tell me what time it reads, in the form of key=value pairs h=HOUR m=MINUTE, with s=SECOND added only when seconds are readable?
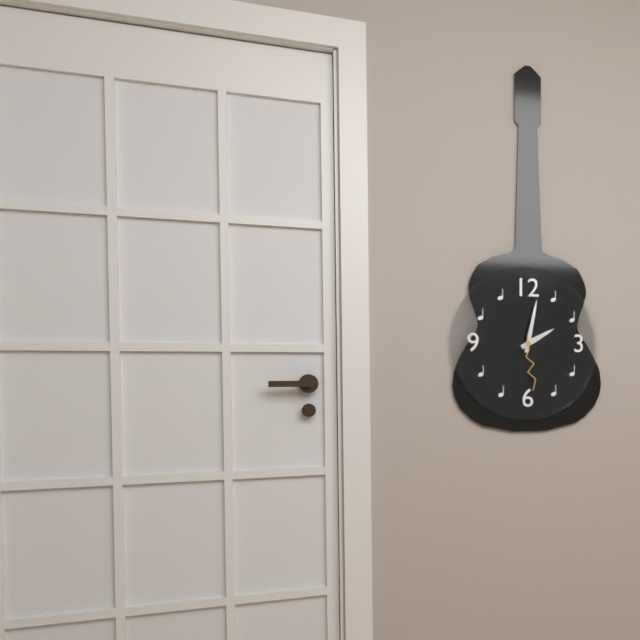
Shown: h=2 m=2 s=29
